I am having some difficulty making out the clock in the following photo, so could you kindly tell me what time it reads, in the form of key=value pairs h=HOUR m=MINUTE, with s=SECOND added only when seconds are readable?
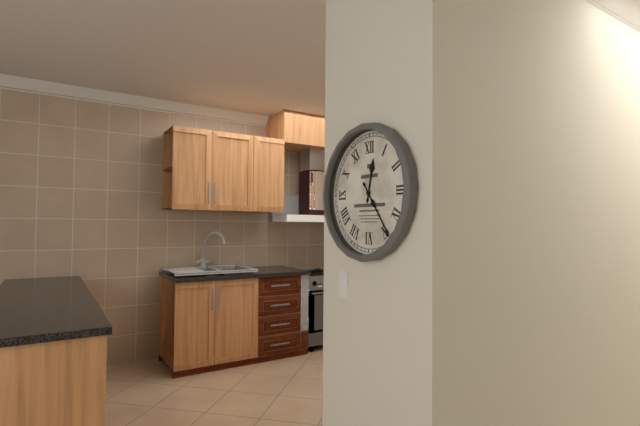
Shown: h=12 m=24
